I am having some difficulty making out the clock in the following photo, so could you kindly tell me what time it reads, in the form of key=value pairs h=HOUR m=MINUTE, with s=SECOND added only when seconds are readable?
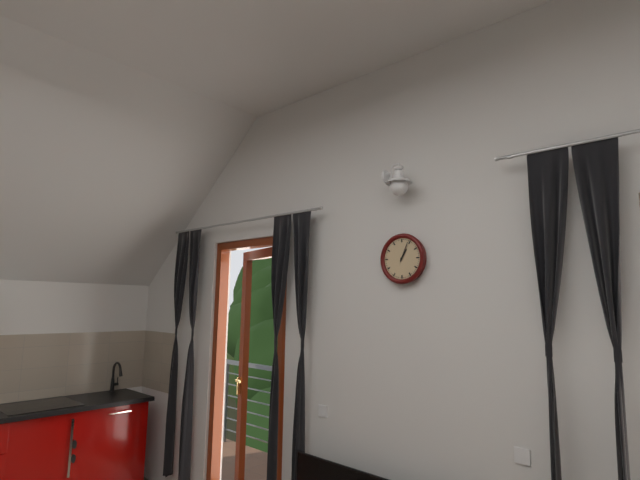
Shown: h=1 m=4
